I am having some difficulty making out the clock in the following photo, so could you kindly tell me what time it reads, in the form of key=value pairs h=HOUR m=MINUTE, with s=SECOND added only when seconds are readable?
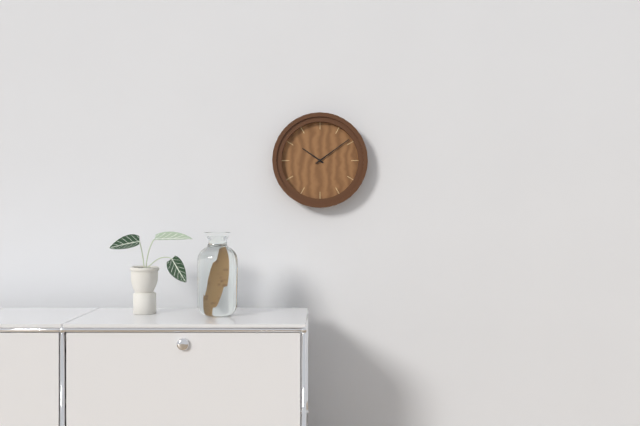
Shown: h=10 m=9
